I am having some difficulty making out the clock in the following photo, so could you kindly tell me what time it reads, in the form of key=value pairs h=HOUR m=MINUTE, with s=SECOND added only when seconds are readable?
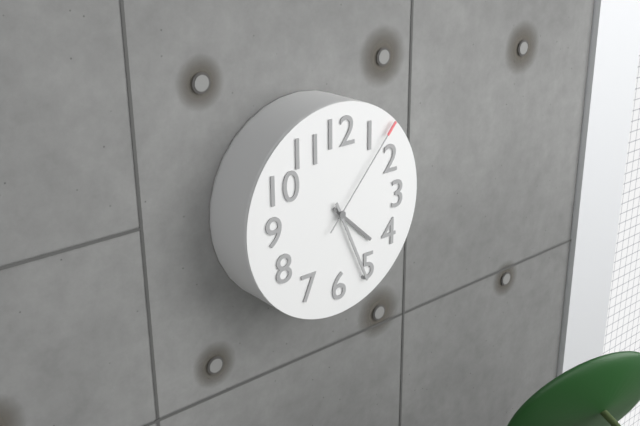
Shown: h=4 m=26 s=7
